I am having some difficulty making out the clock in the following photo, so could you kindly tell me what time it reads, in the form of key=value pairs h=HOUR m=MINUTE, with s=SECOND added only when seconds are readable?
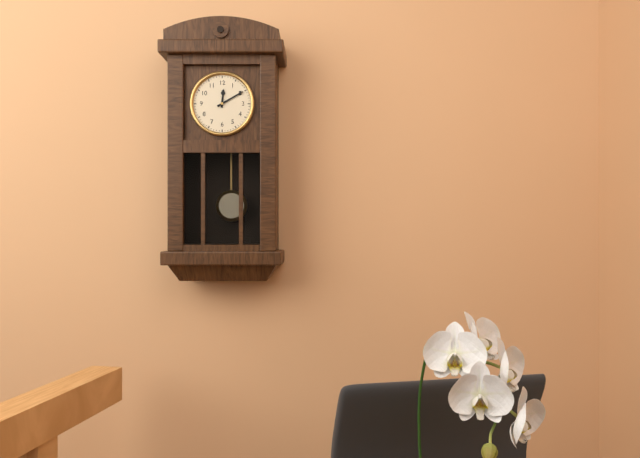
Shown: h=12 m=10
